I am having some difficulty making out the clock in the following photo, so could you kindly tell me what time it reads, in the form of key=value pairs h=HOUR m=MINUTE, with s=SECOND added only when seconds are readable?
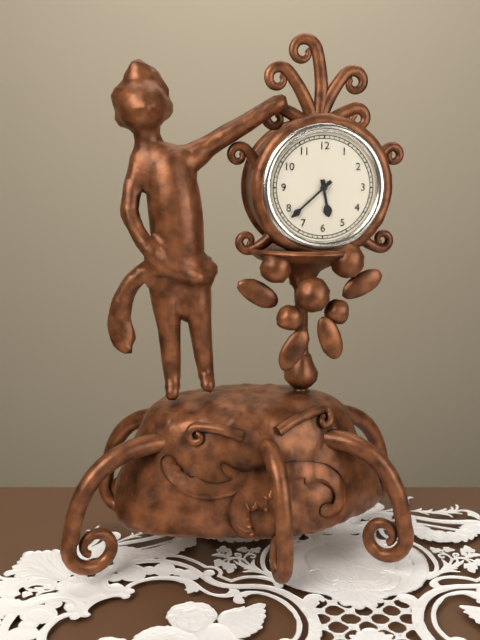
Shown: h=5 m=38
